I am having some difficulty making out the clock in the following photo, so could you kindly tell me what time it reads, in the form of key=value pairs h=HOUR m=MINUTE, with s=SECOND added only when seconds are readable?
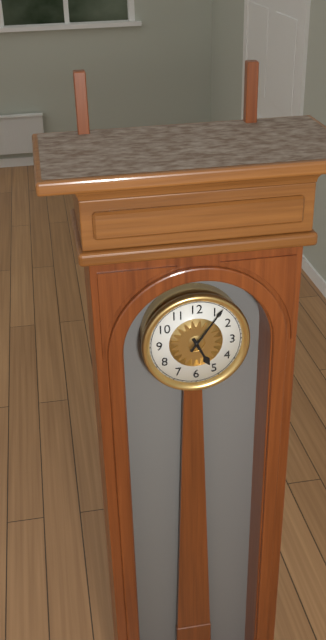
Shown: h=5 m=6
